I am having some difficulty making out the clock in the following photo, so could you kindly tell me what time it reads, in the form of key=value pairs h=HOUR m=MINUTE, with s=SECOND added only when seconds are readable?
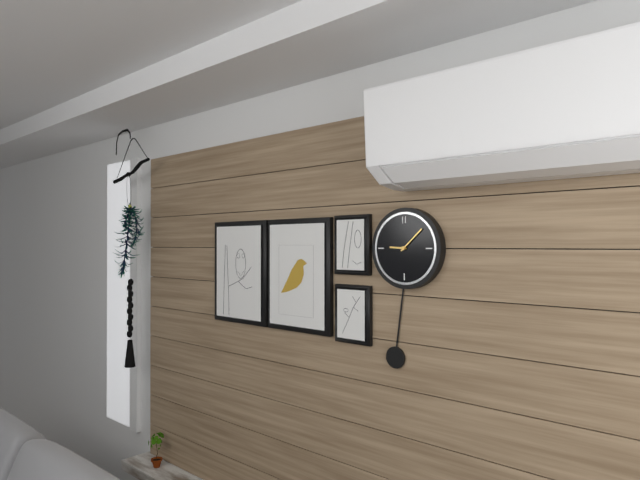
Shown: h=9 m=8
